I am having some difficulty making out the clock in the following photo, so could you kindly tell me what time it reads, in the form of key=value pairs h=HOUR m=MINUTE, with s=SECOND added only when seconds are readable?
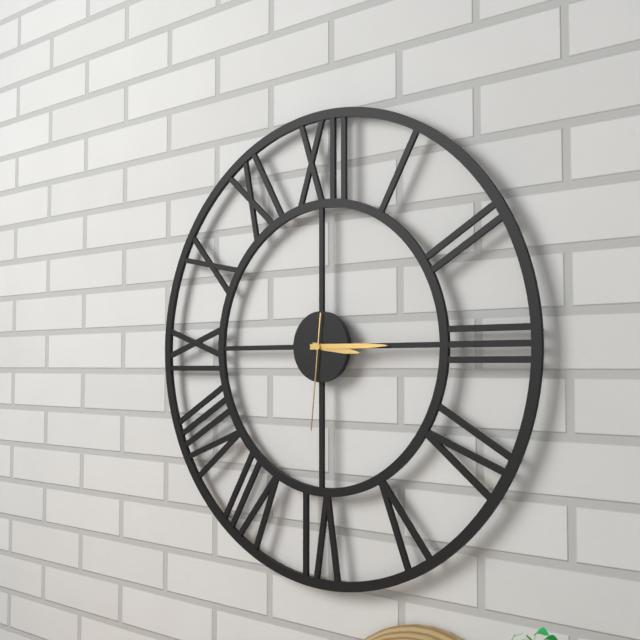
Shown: h=3 m=15 s=31
